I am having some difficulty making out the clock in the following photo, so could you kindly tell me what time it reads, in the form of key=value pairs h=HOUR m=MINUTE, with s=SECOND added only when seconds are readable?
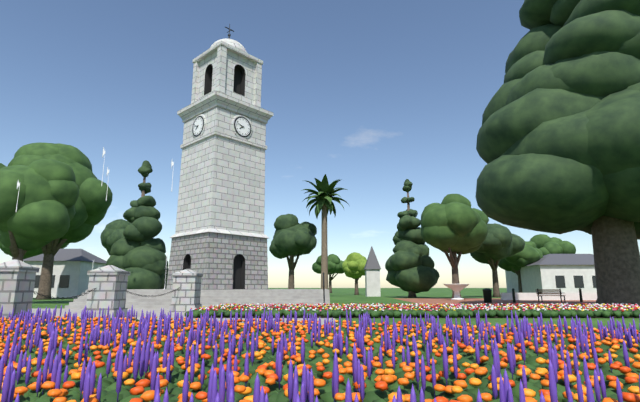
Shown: h=7 m=48
